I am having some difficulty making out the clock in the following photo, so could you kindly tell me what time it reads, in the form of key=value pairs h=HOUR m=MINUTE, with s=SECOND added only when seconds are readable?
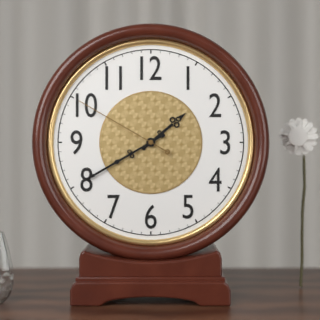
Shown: h=1 m=40 s=50
